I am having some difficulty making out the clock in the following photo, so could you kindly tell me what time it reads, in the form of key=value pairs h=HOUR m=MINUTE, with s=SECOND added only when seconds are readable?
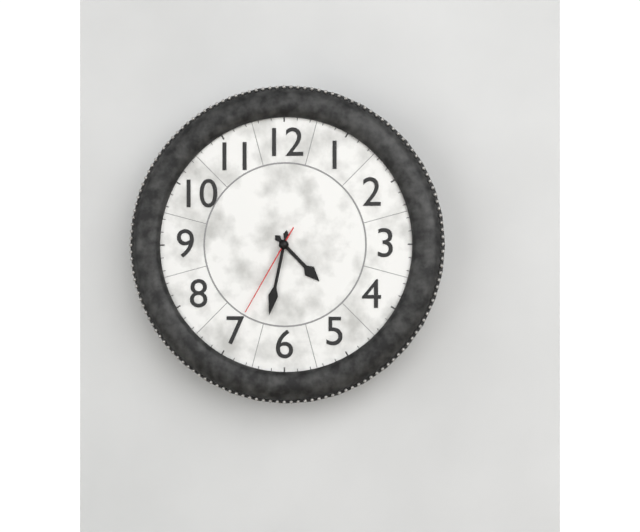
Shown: h=4 m=32 s=35
